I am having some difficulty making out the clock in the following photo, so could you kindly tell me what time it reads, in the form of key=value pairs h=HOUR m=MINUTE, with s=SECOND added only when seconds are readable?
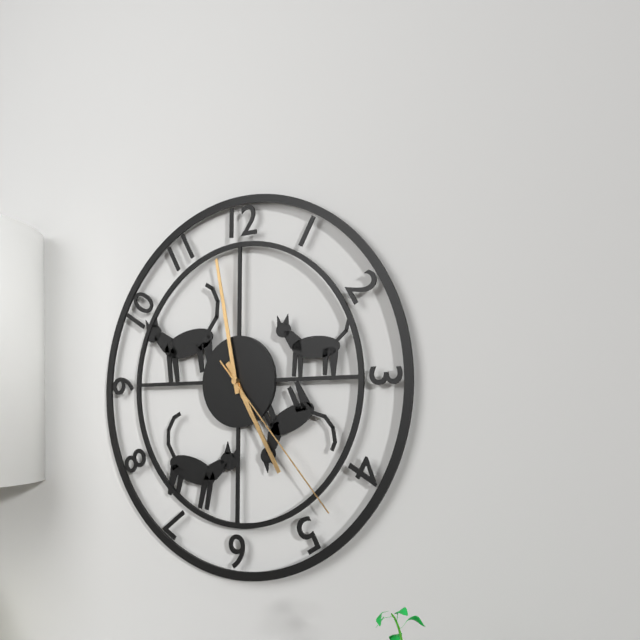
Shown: h=4 m=58 s=23
